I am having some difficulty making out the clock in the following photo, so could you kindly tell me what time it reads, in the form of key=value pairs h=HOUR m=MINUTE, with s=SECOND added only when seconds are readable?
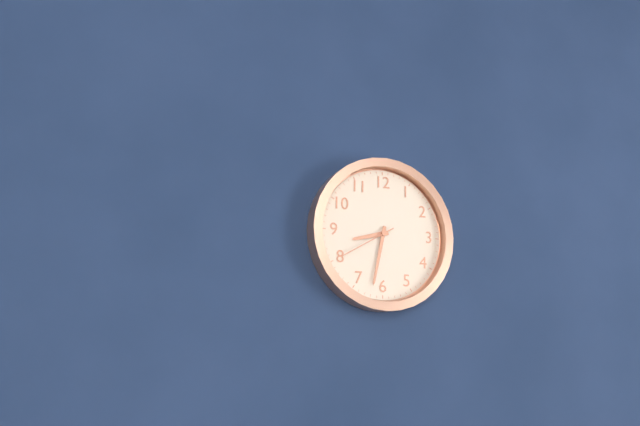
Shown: h=8 m=32 s=40
